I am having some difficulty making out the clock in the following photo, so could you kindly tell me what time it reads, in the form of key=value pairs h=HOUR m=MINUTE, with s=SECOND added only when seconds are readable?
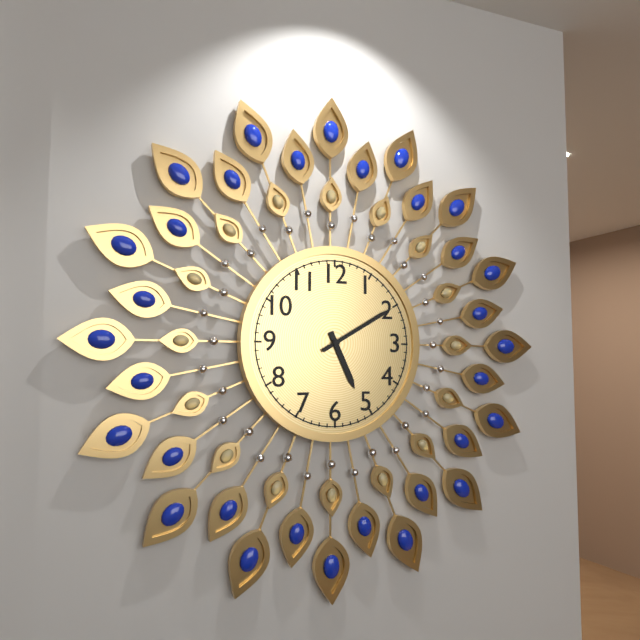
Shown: h=5 m=10
